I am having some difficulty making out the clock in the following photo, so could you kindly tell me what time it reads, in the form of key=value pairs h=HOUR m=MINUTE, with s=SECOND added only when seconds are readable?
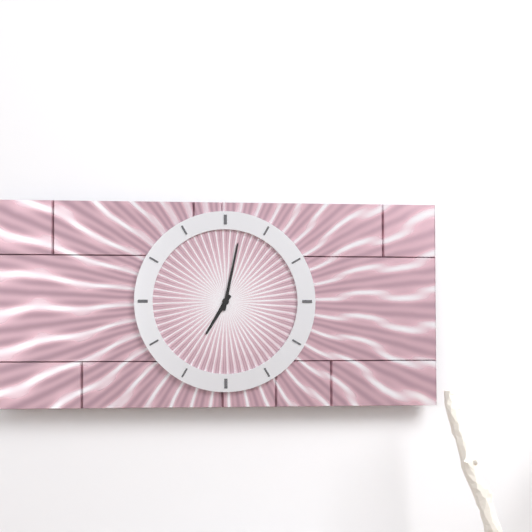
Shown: h=7 m=2
